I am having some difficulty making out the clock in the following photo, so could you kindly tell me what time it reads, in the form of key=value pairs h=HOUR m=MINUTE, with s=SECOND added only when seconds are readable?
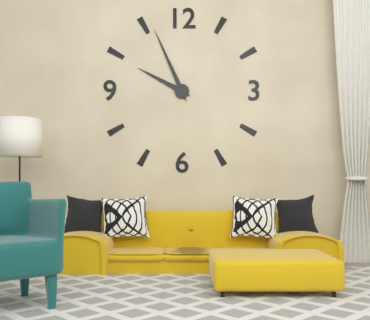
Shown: h=9 m=56
